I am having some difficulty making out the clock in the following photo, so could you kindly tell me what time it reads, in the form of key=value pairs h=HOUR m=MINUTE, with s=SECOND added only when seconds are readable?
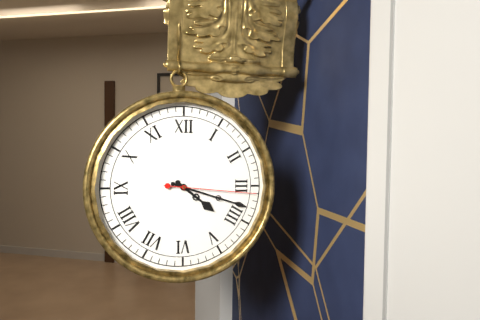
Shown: h=4 m=18 s=16
